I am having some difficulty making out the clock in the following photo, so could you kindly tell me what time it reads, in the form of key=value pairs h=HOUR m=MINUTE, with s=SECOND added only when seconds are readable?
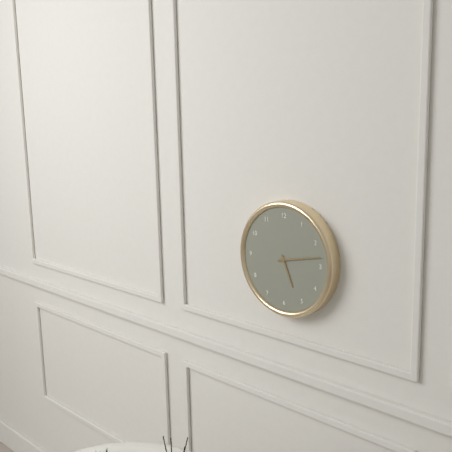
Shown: h=5 m=13
